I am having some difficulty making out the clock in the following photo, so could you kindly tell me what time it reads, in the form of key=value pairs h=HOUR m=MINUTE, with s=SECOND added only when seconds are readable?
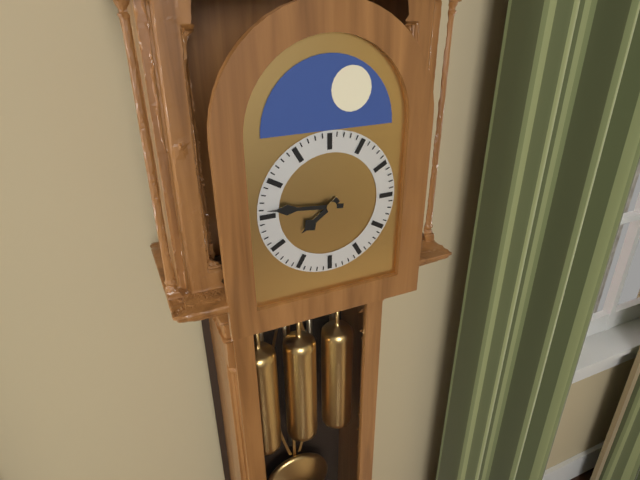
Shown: h=7 m=46
